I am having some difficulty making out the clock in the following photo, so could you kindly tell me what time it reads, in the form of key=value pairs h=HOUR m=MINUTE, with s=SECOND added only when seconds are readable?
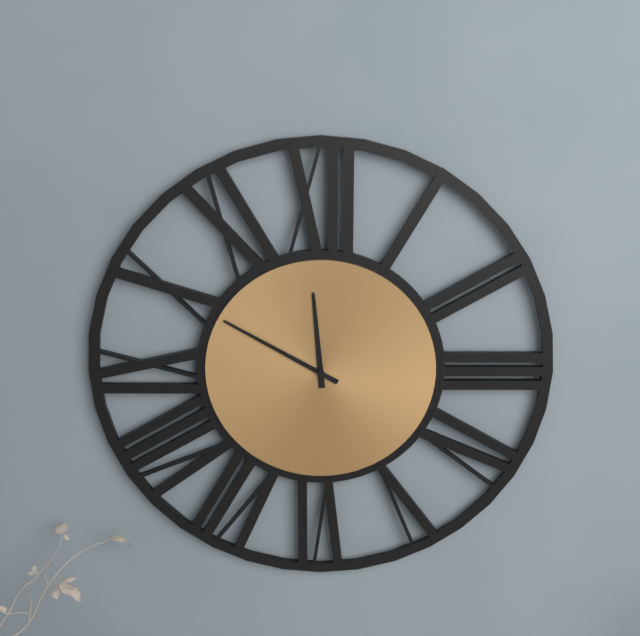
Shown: h=11 m=50
